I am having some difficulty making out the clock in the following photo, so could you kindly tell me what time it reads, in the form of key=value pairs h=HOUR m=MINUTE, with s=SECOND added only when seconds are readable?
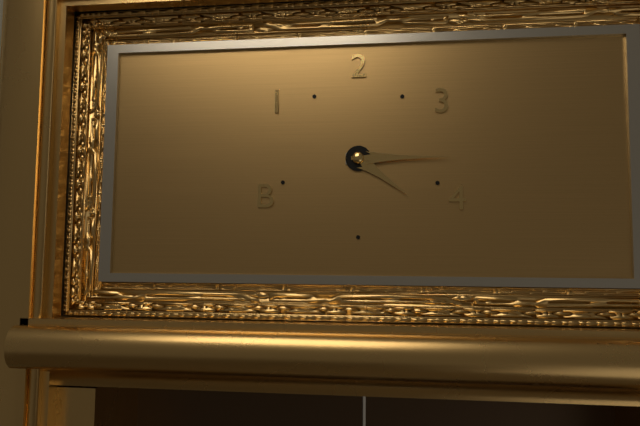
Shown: h=4 m=15
